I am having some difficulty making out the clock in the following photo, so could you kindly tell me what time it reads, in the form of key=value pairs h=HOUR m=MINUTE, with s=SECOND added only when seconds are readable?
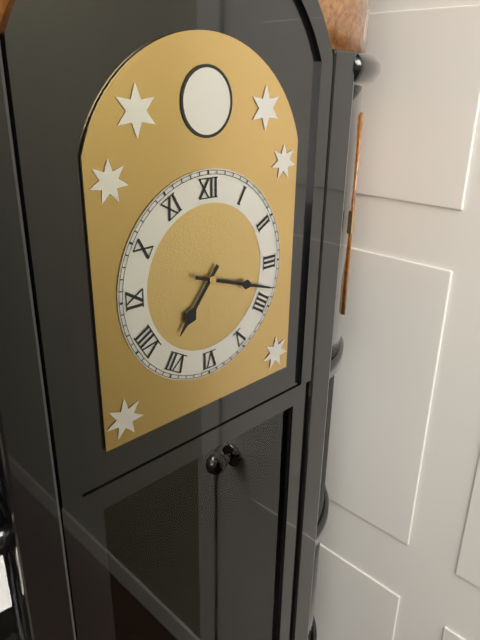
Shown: h=7 m=18
